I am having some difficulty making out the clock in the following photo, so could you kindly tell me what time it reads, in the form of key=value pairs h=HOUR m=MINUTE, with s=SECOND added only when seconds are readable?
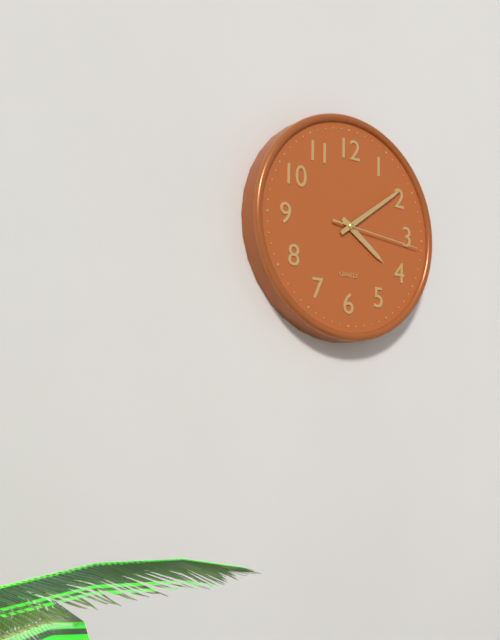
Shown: h=4 m=9 s=16
